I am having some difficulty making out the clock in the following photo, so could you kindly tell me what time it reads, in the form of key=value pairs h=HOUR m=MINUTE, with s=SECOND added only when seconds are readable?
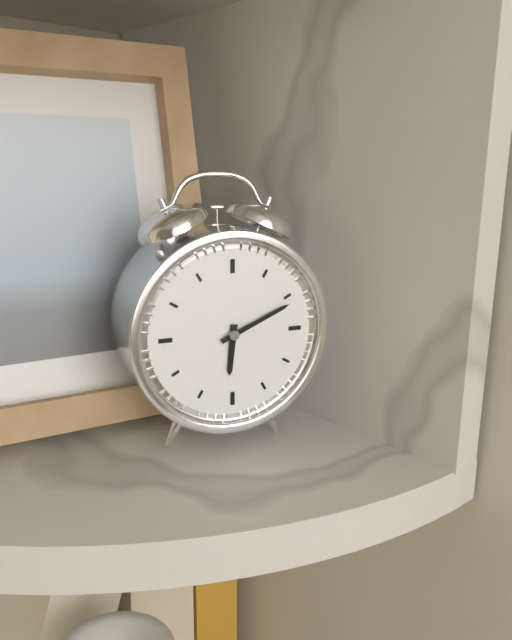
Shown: h=6 m=11
